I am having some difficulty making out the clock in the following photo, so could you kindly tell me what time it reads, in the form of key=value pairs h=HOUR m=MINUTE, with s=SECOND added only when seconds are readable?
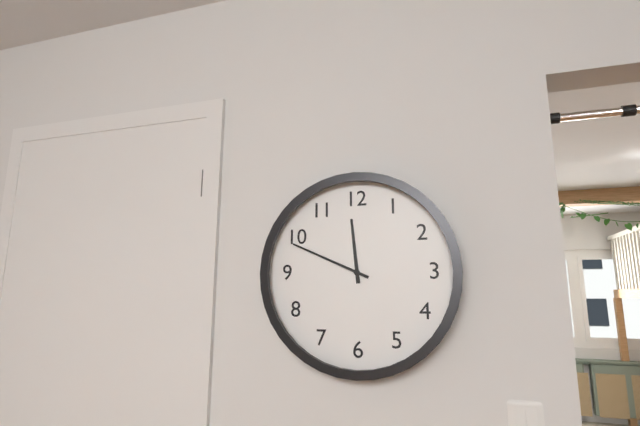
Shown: h=11 m=49
